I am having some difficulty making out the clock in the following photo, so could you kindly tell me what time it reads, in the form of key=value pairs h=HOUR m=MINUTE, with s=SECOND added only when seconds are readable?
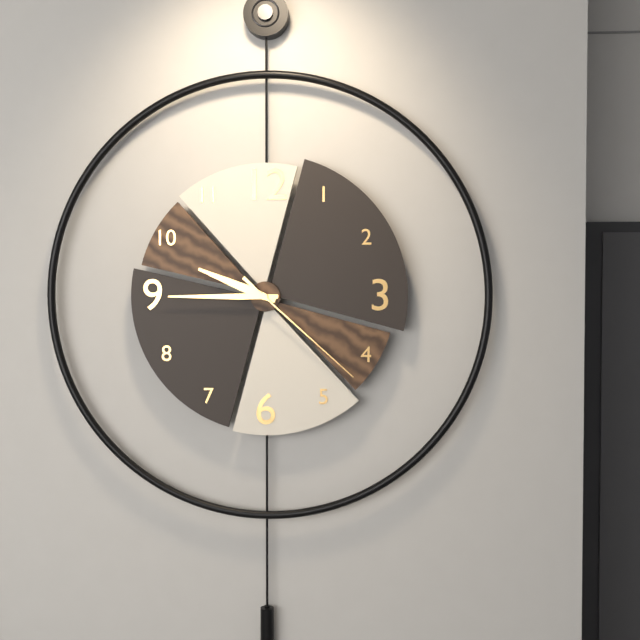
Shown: h=9 m=45 s=22
